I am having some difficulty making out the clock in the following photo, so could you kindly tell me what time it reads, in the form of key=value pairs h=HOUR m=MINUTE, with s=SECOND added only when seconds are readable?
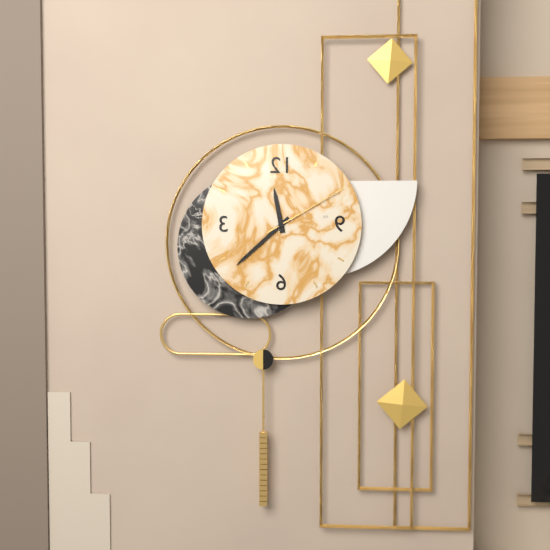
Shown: h=11 m=38 s=10
